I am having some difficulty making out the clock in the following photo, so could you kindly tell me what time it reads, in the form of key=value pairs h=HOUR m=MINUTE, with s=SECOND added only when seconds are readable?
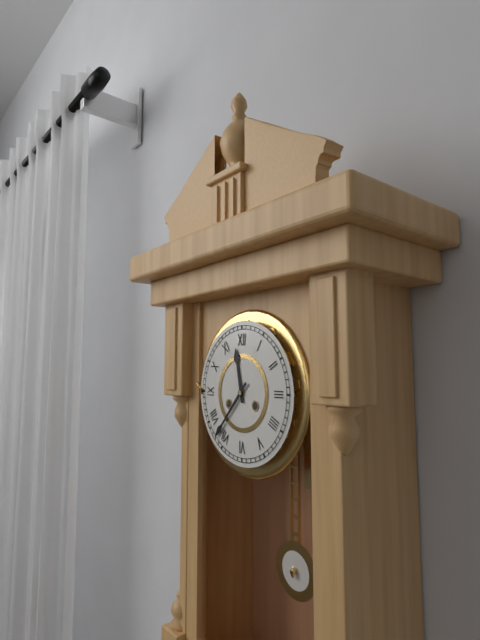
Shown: h=11 m=37
